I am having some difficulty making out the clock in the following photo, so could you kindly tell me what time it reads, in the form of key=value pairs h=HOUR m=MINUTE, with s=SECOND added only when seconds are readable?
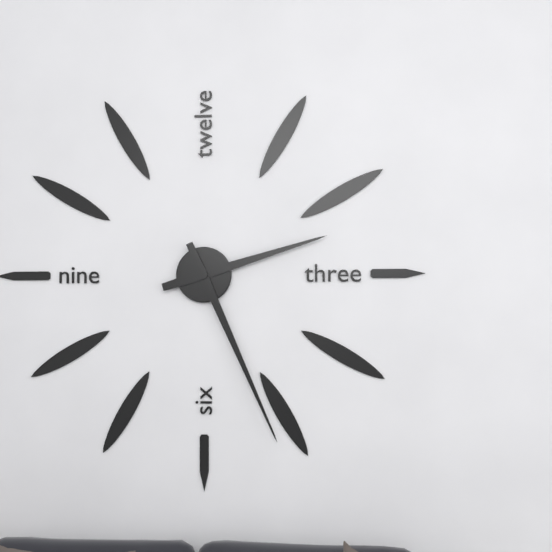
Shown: h=2 m=26
